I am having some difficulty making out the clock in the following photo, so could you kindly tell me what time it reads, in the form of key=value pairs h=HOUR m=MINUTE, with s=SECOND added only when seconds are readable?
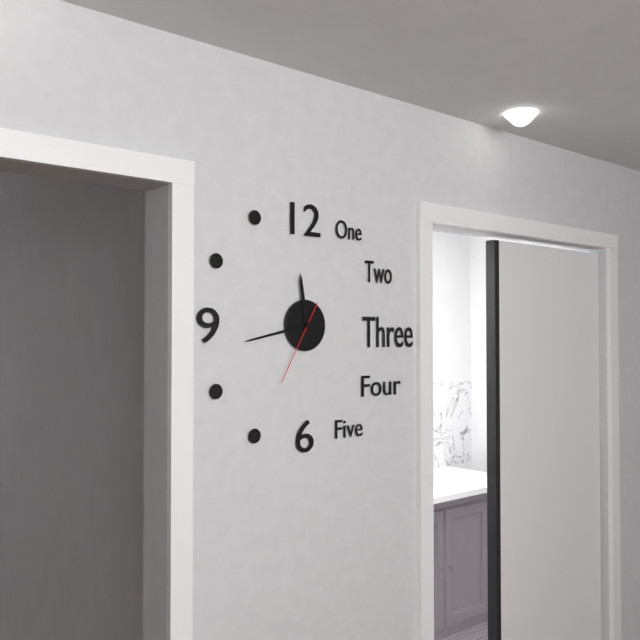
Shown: h=11 m=43 s=35
